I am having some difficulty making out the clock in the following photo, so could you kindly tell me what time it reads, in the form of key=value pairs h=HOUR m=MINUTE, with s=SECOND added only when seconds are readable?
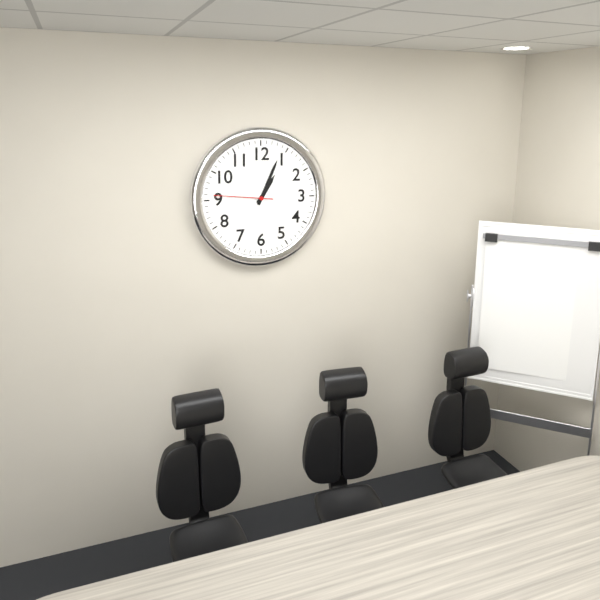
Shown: h=1 m=4 s=46
